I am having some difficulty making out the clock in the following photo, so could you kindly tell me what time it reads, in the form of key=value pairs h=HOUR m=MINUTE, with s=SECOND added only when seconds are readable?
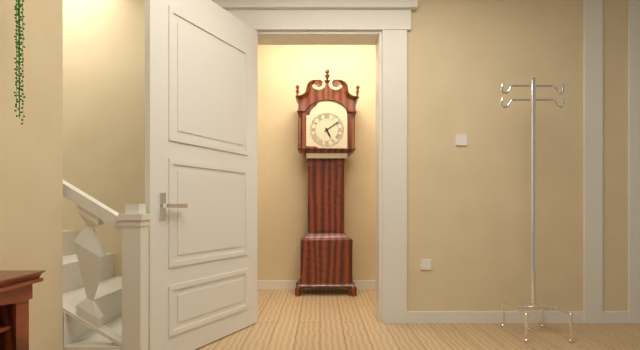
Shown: h=5 m=9
